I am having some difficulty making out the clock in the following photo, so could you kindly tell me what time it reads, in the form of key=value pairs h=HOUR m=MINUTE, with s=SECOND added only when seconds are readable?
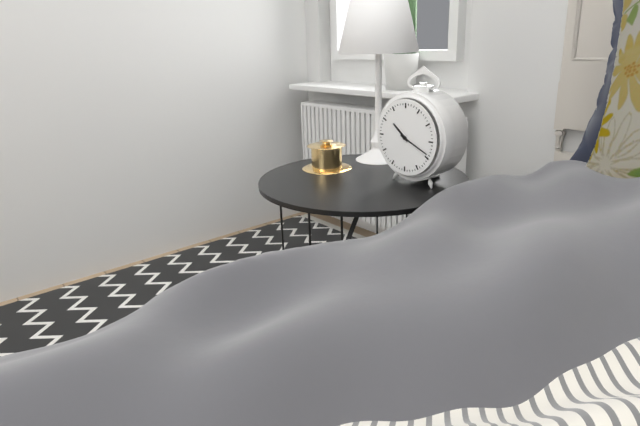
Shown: h=10 m=19
